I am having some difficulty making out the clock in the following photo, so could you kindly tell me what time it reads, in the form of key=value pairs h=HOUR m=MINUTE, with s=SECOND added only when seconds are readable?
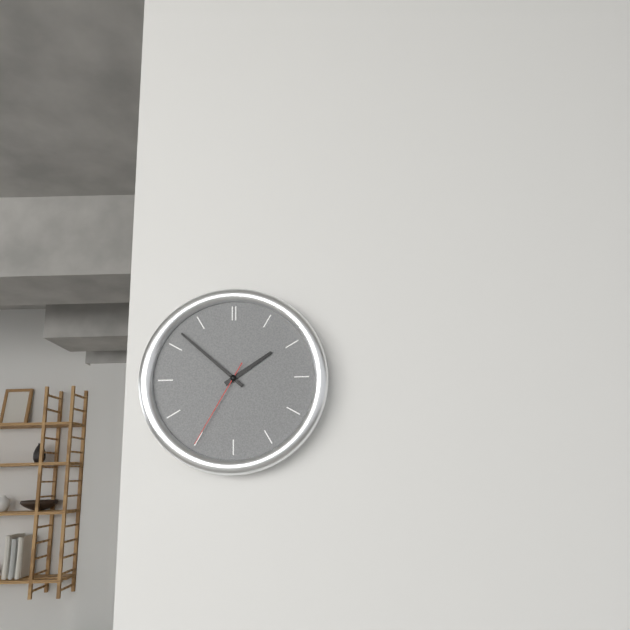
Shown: h=1 m=52 s=35
